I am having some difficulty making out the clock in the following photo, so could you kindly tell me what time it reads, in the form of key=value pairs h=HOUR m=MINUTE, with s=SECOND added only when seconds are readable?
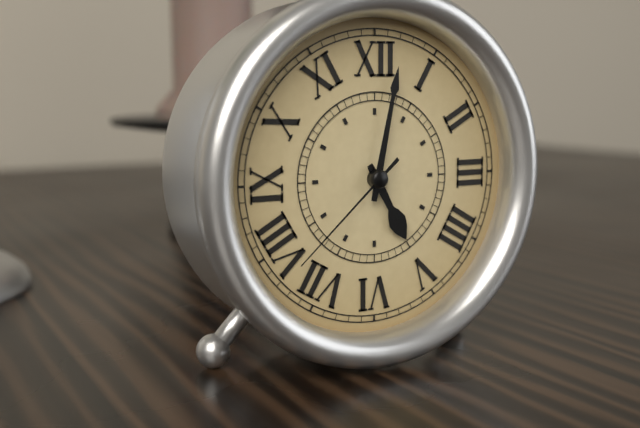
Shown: h=5 m=2 s=38
